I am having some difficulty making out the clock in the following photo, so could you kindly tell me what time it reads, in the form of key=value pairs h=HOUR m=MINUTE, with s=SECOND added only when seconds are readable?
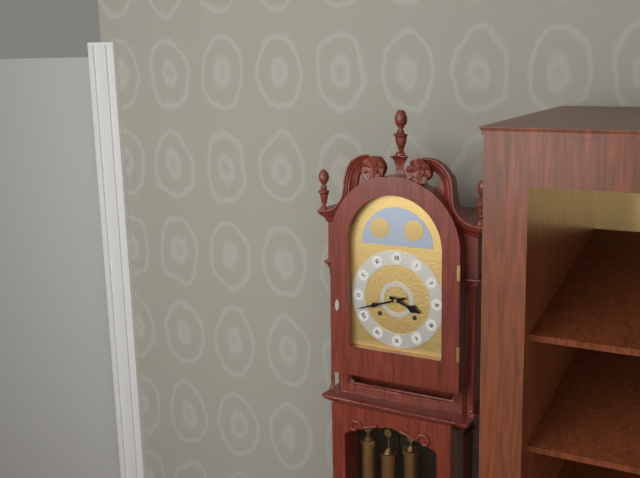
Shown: h=3 m=42
